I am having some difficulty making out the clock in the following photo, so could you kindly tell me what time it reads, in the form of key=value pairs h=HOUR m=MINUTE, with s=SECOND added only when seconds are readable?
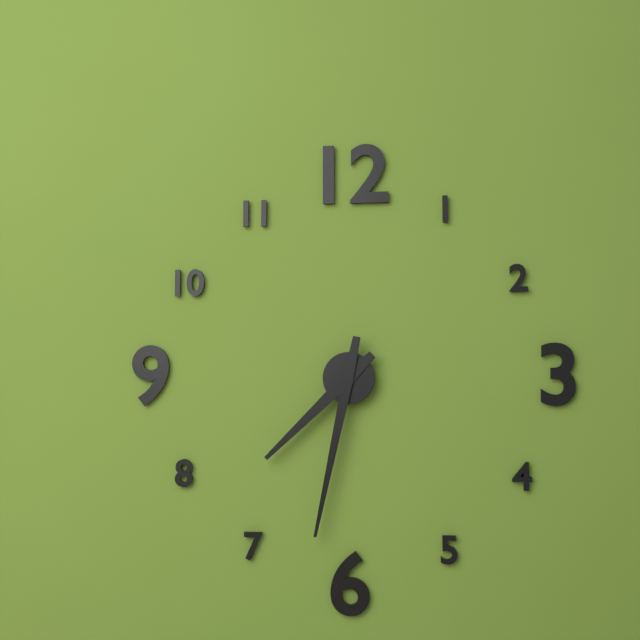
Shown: h=7 m=32
